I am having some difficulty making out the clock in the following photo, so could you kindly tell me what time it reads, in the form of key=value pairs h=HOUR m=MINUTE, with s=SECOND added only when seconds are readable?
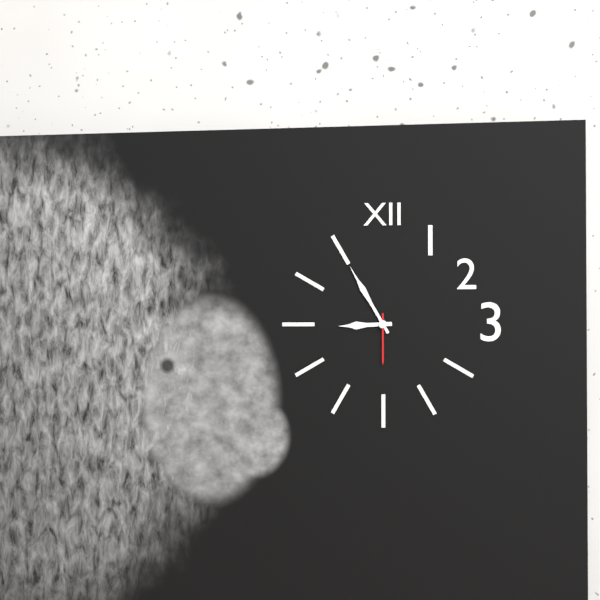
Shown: h=8 m=55 s=30
